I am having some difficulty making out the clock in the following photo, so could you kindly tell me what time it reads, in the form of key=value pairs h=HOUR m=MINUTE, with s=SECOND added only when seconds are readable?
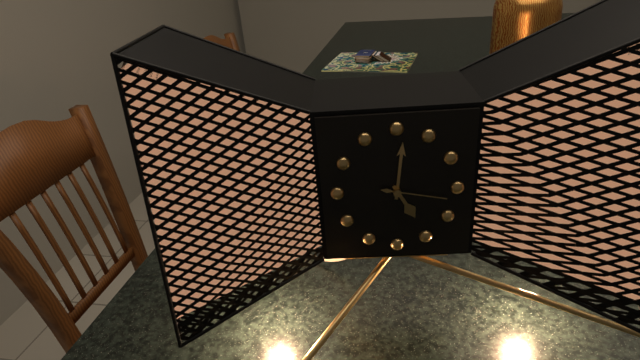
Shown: h=5 m=1 s=17
